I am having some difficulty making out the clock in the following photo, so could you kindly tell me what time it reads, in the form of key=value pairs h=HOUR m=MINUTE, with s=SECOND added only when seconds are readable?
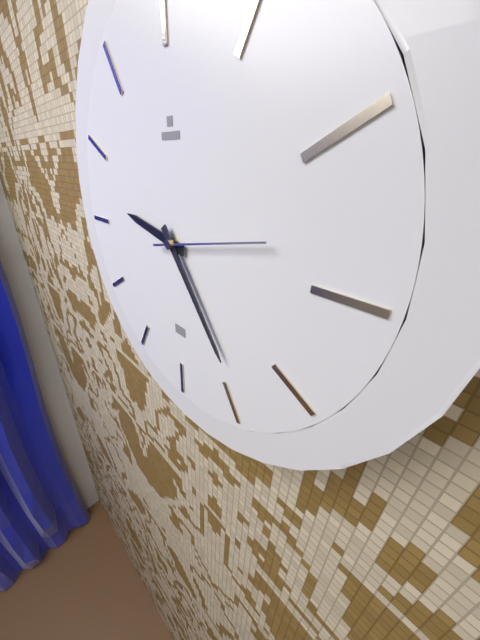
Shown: h=9 m=24 s=13
